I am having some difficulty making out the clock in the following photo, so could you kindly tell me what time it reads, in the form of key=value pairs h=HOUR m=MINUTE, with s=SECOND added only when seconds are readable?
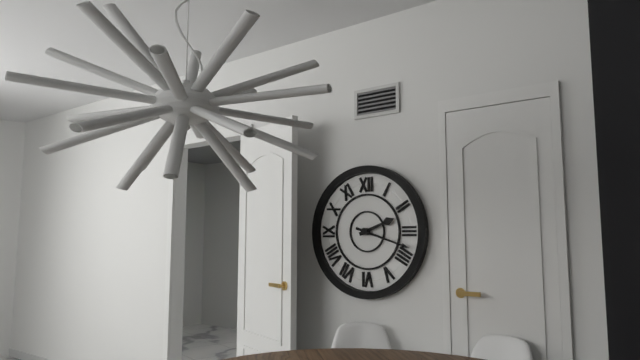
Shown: h=2 m=18
